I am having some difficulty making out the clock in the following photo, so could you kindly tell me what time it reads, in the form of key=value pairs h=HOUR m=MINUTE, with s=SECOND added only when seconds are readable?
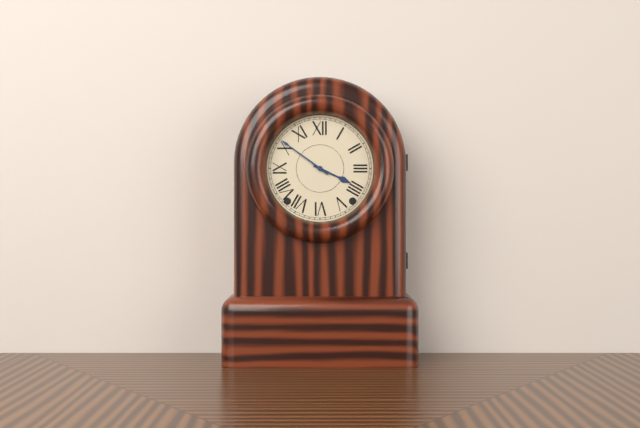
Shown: h=3 m=51
